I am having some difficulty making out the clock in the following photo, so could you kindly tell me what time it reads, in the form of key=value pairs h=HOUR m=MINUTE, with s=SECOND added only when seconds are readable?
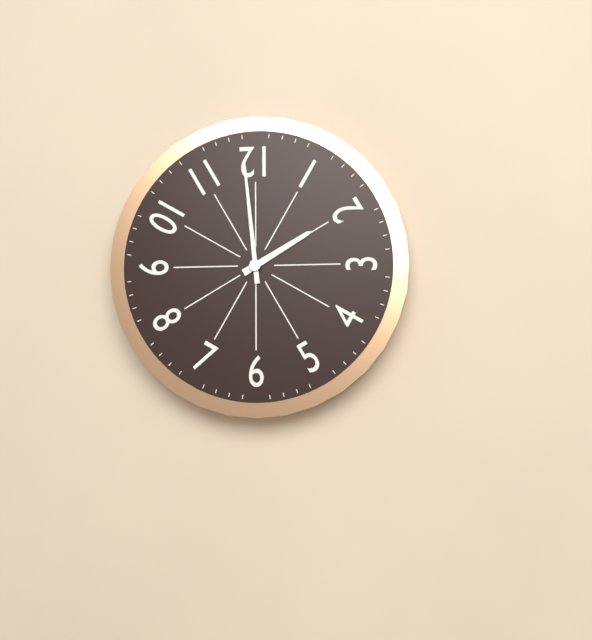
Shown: h=1 m=59
